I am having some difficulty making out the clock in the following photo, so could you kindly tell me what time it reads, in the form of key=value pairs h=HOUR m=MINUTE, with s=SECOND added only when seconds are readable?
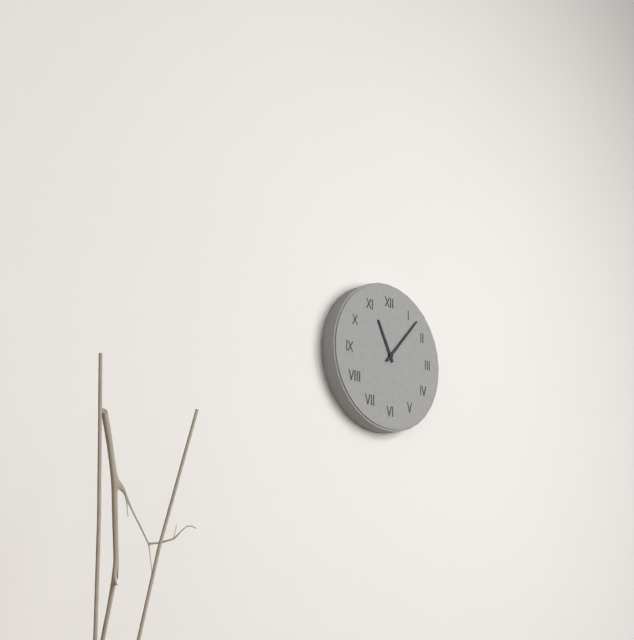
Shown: h=11 m=7
